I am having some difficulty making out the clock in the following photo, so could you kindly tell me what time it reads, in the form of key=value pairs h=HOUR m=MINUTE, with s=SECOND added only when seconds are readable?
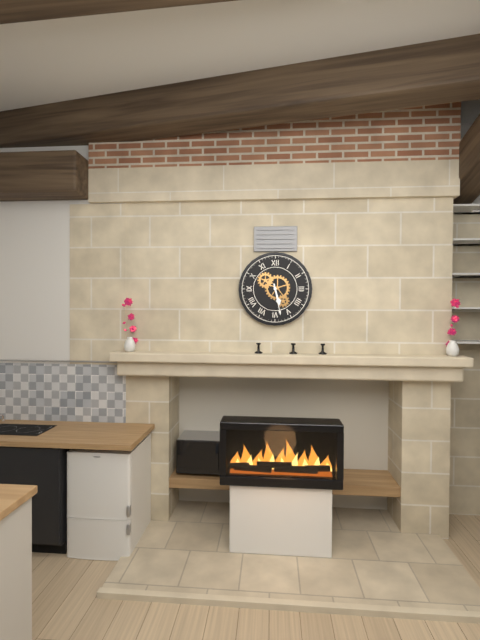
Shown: h=5 m=28
